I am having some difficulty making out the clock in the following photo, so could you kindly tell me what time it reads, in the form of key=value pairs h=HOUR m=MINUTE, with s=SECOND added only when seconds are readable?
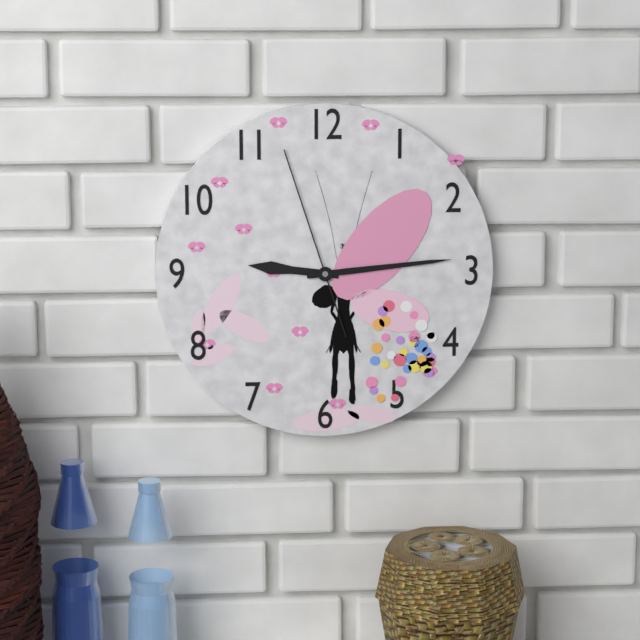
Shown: h=9 m=14 s=57
